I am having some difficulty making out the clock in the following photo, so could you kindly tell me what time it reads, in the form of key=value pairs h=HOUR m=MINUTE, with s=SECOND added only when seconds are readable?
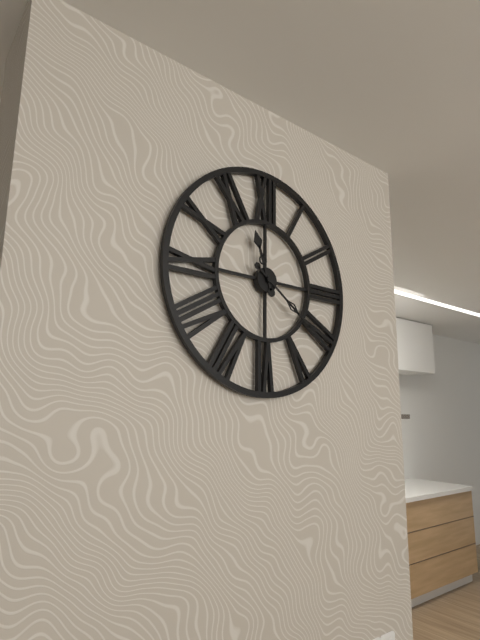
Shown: h=11 m=21
